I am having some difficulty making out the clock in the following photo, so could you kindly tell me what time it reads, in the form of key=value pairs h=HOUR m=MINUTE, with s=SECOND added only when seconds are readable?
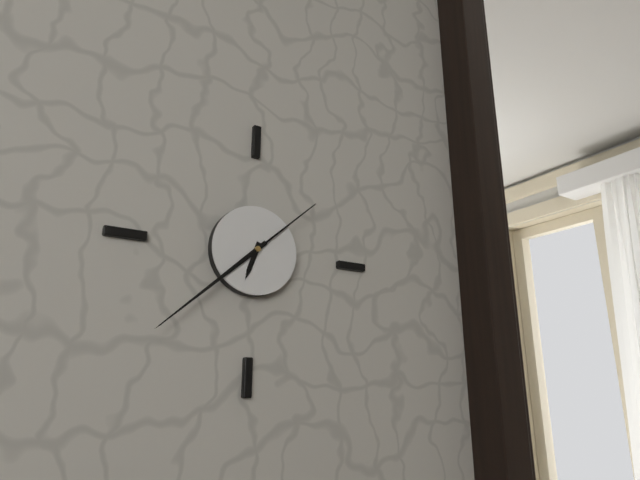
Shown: h=6 m=38 s=8
